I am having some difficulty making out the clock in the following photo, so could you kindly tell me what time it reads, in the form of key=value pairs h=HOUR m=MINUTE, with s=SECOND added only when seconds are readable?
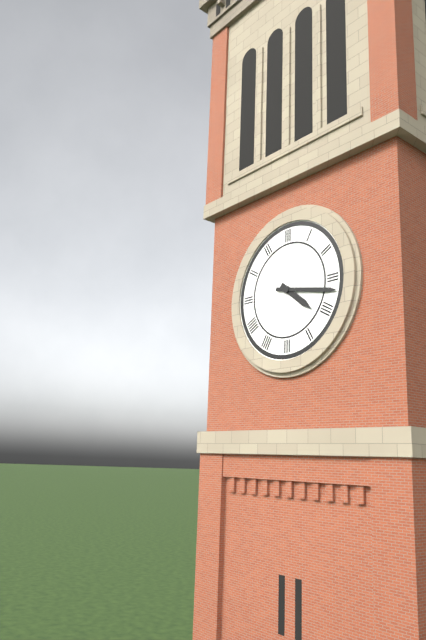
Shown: h=4 m=17
